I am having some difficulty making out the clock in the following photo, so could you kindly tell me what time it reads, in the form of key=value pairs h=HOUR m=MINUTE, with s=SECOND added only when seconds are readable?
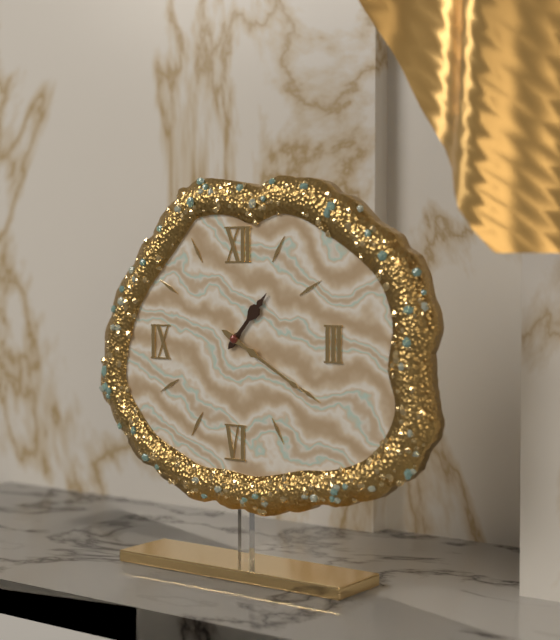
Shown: h=1 m=20
